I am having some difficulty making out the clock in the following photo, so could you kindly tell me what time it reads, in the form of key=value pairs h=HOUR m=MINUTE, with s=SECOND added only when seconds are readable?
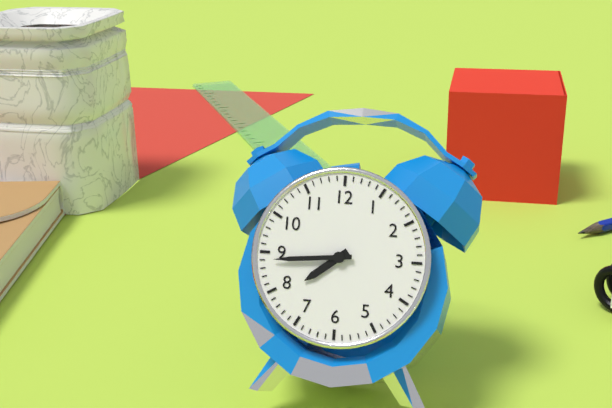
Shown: h=7 m=44
